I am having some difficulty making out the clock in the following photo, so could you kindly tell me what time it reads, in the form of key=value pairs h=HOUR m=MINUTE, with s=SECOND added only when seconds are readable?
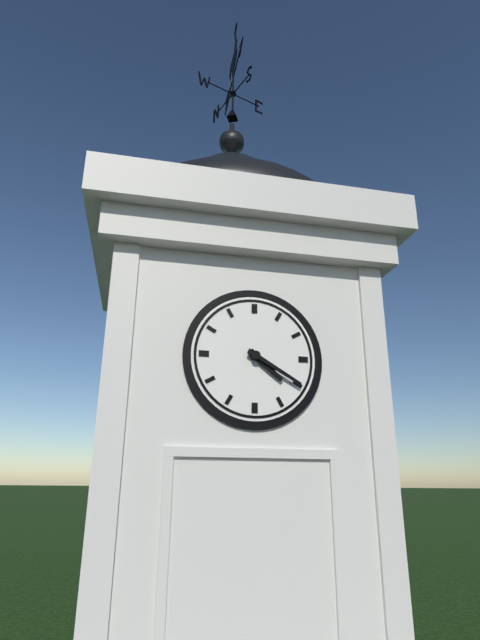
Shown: h=4 m=20
